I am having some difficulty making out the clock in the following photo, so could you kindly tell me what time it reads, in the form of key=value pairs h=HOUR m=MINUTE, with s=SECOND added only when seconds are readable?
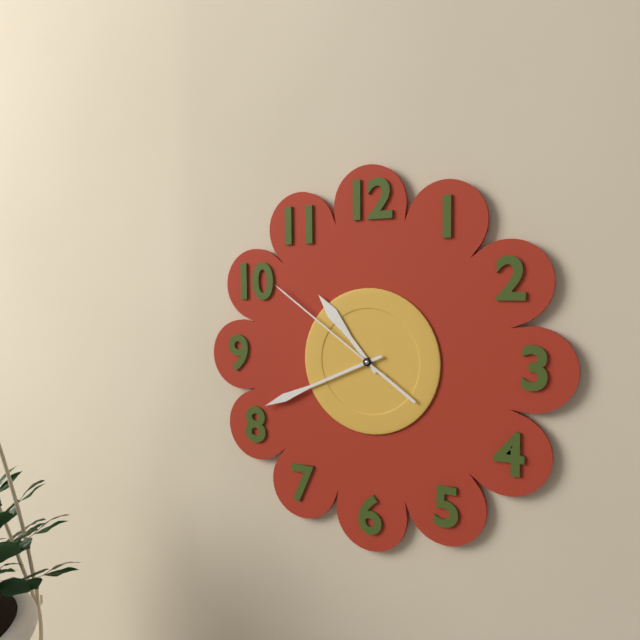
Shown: h=10 m=41 s=51
